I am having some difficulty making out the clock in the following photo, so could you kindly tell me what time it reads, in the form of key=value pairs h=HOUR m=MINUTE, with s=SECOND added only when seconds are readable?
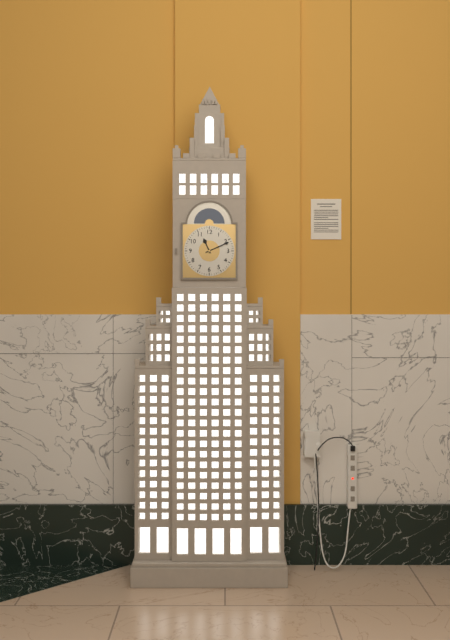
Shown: h=11 m=11
